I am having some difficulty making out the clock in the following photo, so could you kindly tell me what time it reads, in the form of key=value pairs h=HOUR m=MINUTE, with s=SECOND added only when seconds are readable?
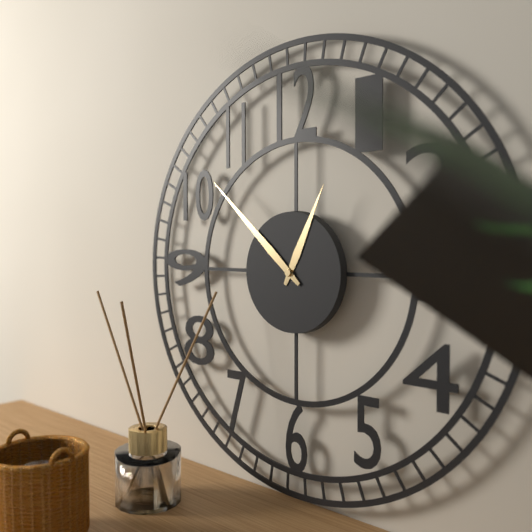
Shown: h=12 m=52
